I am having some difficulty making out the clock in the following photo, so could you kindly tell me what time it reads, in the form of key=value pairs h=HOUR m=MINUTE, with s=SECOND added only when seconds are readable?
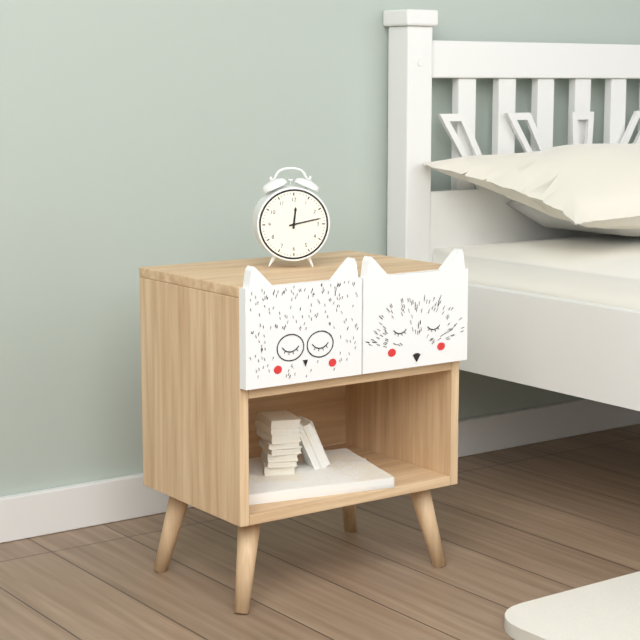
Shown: h=12 m=13
